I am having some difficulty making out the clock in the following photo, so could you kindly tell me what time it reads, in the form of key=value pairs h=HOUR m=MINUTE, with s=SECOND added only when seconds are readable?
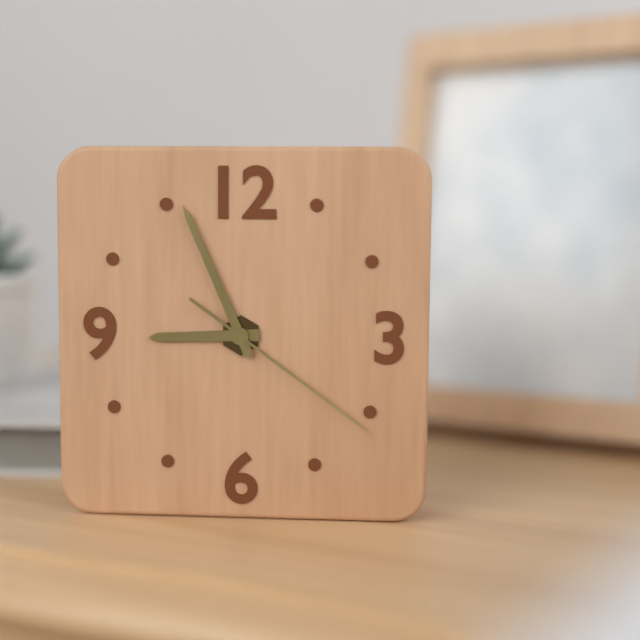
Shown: h=8 m=56 s=21
